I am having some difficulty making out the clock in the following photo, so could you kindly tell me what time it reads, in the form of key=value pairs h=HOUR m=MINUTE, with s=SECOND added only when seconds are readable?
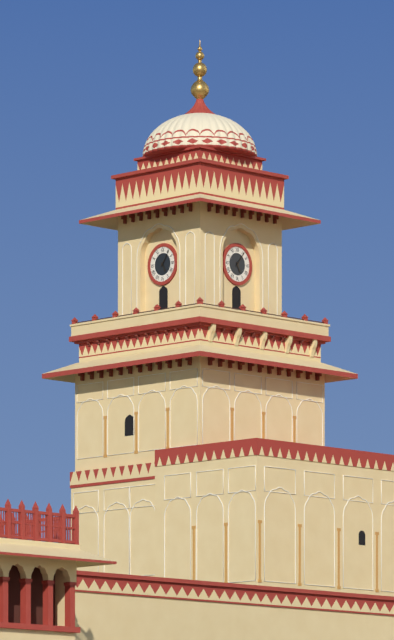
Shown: h=5 m=6
